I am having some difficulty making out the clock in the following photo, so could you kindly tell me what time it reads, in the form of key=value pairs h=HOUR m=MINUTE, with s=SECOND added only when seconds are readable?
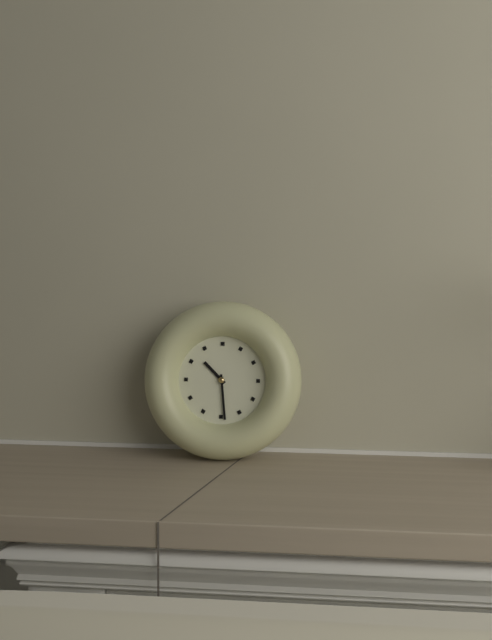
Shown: h=10 m=29
